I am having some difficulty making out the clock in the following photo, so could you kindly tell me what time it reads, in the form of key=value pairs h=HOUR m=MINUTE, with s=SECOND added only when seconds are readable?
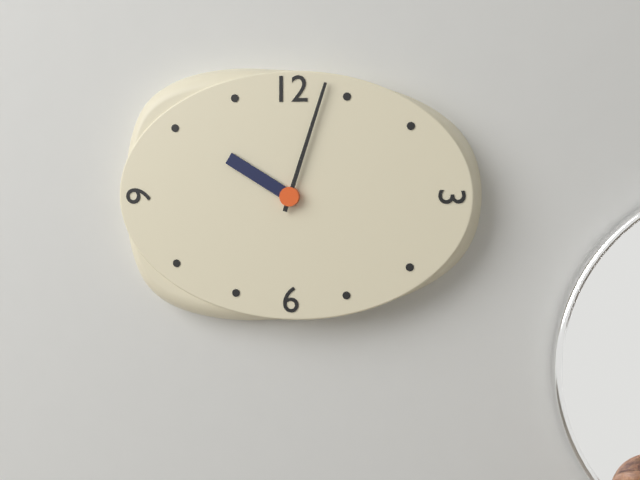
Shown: h=10 m=3
